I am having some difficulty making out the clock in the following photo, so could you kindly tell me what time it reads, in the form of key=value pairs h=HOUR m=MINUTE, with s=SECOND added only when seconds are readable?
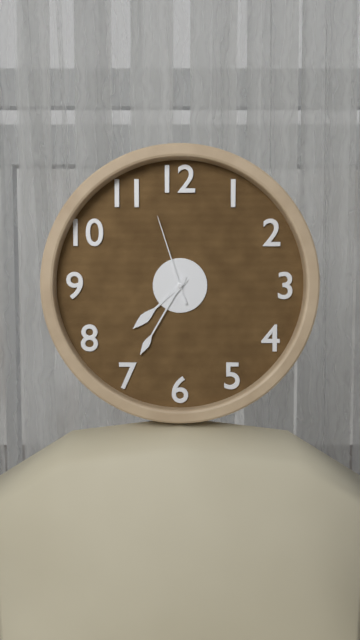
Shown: h=7 m=35 s=57
